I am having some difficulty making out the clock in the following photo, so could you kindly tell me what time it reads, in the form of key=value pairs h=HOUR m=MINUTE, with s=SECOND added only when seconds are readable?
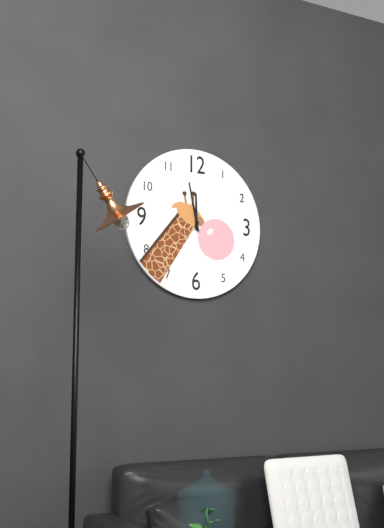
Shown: h=11 m=58
